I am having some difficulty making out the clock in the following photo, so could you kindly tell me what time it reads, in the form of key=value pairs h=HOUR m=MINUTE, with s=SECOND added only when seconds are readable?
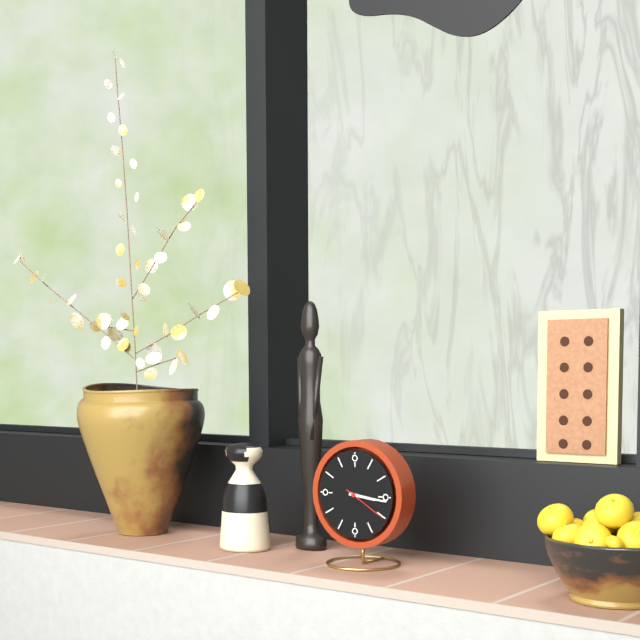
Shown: h=3 m=16
